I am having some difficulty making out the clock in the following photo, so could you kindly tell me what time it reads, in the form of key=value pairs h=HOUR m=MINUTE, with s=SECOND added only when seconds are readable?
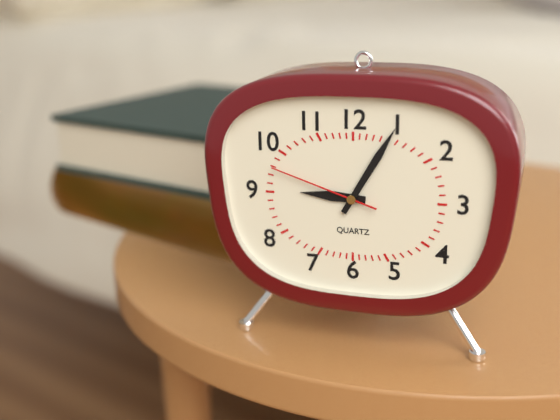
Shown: h=9 m=5 s=48
